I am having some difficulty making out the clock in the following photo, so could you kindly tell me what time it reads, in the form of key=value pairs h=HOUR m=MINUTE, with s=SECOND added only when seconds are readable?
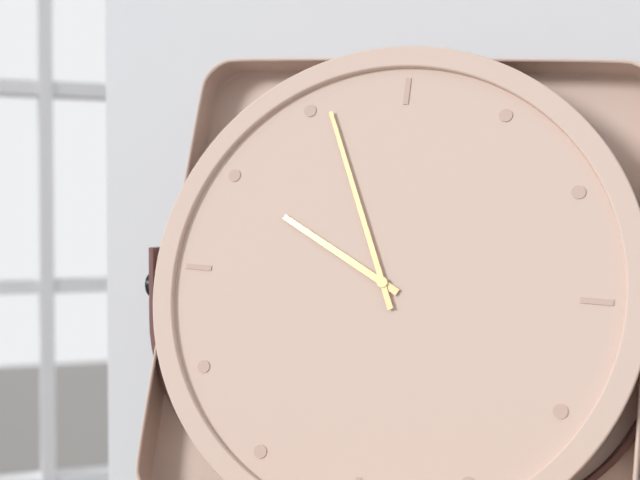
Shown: h=9 m=56
